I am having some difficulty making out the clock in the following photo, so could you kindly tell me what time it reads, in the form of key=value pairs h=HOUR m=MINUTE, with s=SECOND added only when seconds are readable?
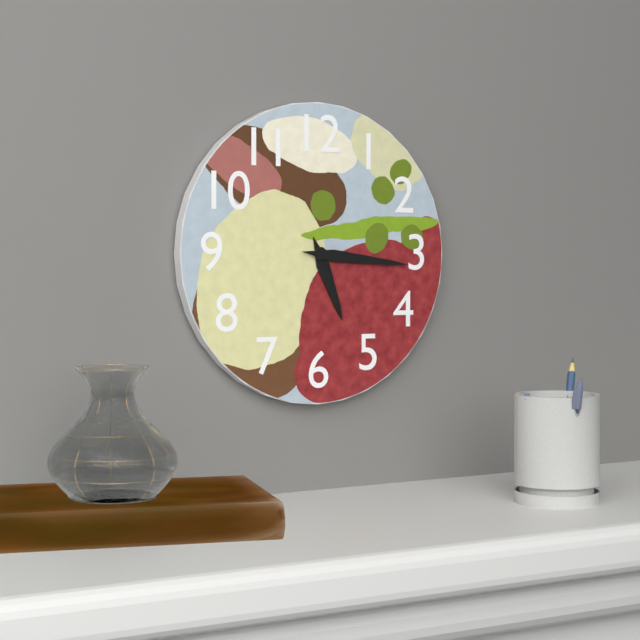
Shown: h=5 m=16
